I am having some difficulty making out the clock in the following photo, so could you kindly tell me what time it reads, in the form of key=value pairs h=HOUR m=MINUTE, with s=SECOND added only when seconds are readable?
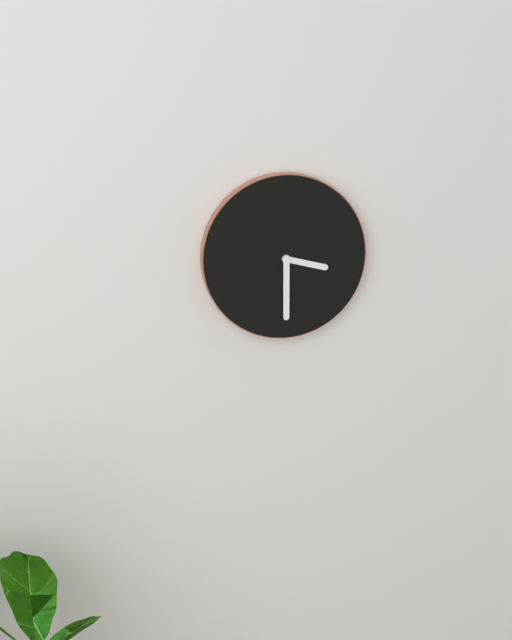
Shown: h=3 m=30
